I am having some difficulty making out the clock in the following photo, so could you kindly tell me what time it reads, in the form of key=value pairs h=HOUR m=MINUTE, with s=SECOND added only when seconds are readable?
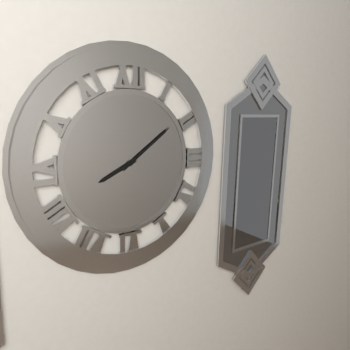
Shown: h=8 m=9
